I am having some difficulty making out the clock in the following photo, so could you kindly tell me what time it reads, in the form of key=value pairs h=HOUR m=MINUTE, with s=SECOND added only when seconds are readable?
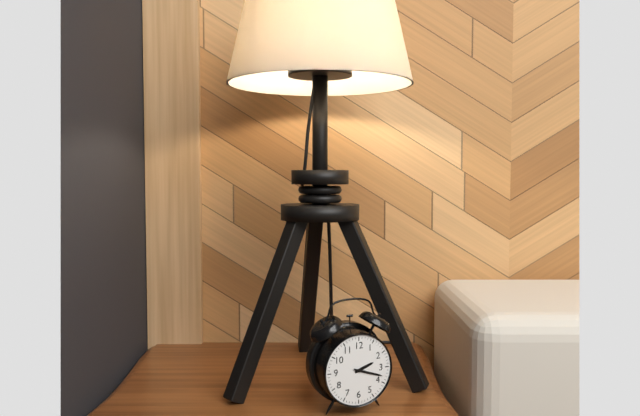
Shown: h=2 m=18
